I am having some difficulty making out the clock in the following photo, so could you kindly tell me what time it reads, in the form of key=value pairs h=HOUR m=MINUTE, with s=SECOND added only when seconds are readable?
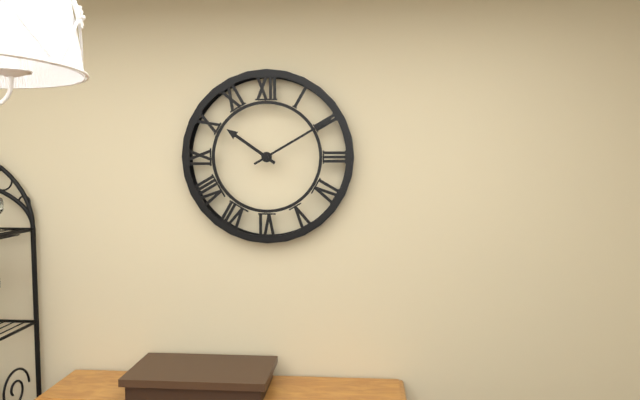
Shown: h=10 m=10
